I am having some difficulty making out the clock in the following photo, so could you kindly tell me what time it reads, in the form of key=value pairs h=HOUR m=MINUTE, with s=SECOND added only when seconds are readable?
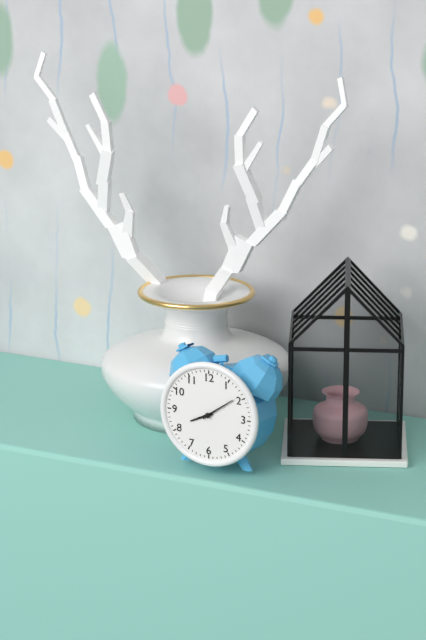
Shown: h=8 m=9
